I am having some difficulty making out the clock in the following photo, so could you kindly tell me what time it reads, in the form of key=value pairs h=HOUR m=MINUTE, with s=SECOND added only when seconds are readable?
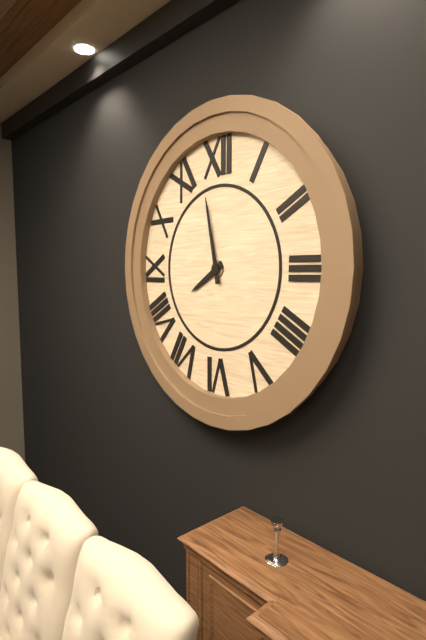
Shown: h=7 m=58
